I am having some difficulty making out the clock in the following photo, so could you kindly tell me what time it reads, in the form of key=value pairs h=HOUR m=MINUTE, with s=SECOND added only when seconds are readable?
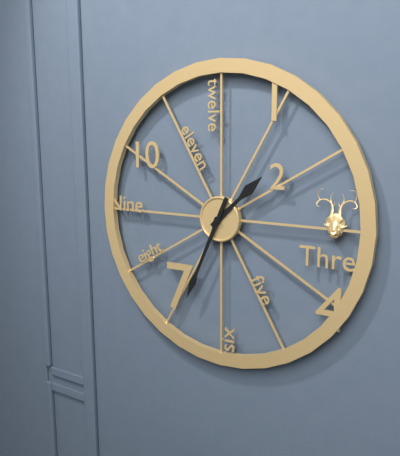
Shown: h=1 m=34
